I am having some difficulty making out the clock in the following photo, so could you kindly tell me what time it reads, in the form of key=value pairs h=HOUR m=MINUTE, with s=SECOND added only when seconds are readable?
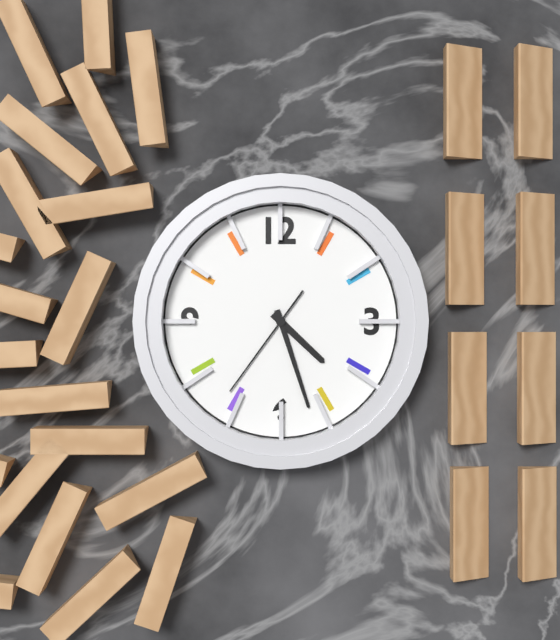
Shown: h=4 m=27 s=36
